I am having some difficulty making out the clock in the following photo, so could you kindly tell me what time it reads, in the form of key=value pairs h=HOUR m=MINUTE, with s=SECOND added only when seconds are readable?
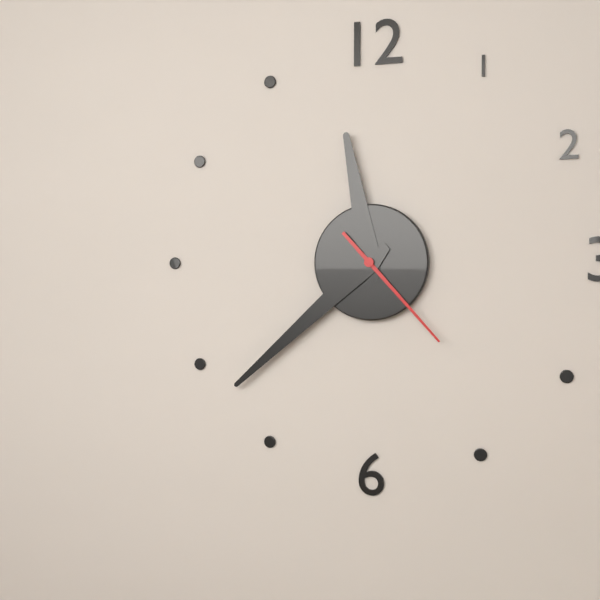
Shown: h=11 m=38 s=23
